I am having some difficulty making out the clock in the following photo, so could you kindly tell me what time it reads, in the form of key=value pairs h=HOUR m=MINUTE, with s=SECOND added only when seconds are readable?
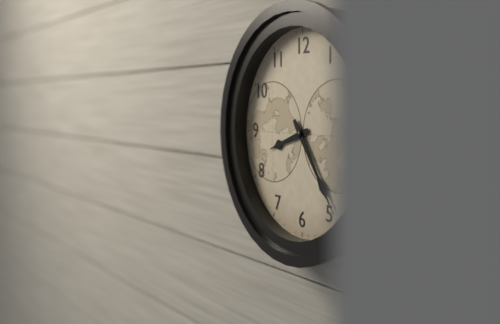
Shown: h=8 m=24
